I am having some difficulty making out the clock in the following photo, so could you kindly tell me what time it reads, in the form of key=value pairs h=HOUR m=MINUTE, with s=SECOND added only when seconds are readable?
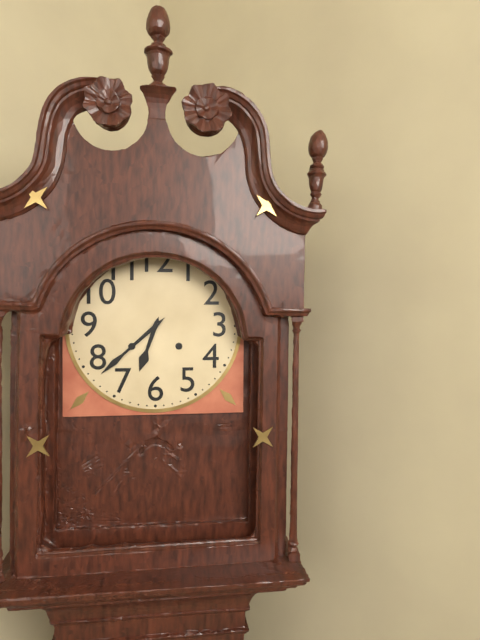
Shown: h=6 m=38
